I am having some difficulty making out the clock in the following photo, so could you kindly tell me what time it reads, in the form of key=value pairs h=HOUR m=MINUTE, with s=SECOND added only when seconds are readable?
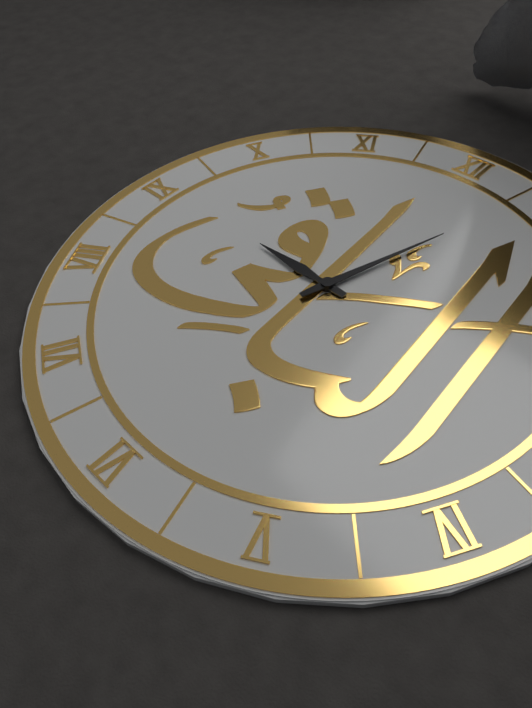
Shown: h=9 m=3
